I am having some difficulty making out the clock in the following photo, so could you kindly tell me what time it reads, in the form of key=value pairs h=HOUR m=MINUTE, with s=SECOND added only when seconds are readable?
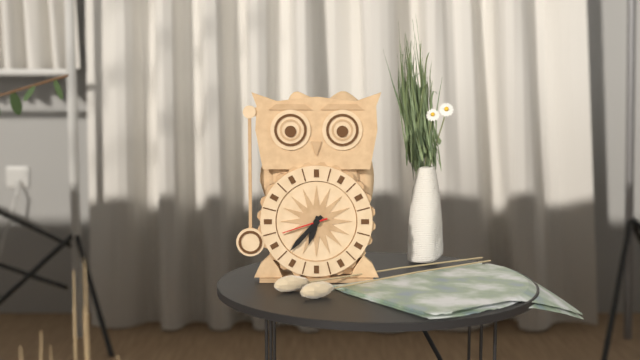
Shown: h=6 m=37
